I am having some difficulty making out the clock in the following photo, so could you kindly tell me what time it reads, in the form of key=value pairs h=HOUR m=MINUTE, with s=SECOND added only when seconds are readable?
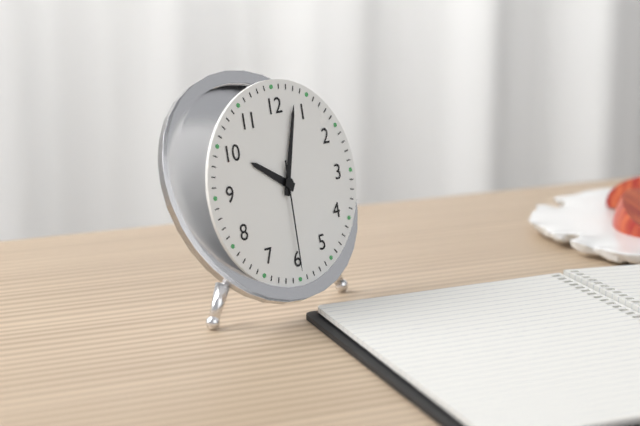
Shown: h=10 m=3 s=30
